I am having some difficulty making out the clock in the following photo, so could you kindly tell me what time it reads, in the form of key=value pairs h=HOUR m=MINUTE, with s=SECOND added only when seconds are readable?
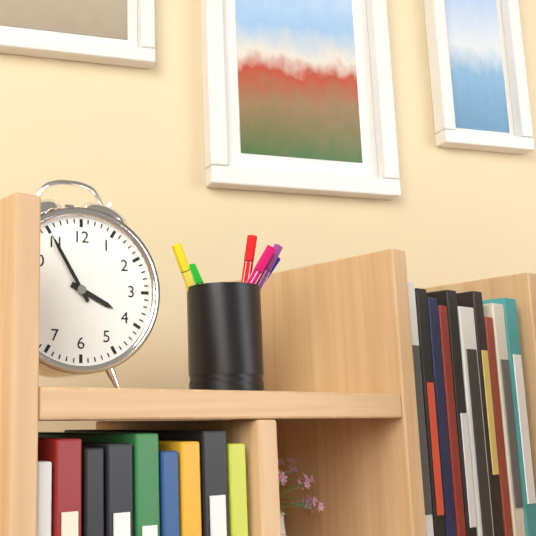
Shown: h=3 m=55
